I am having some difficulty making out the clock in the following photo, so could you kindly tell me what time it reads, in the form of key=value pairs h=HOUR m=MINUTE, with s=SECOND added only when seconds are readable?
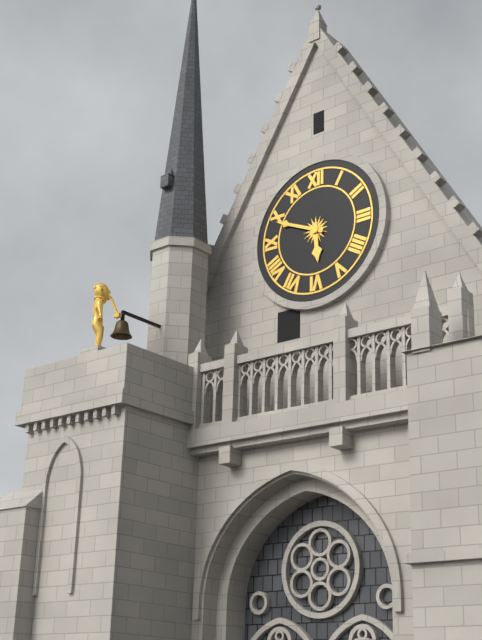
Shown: h=5 m=49
